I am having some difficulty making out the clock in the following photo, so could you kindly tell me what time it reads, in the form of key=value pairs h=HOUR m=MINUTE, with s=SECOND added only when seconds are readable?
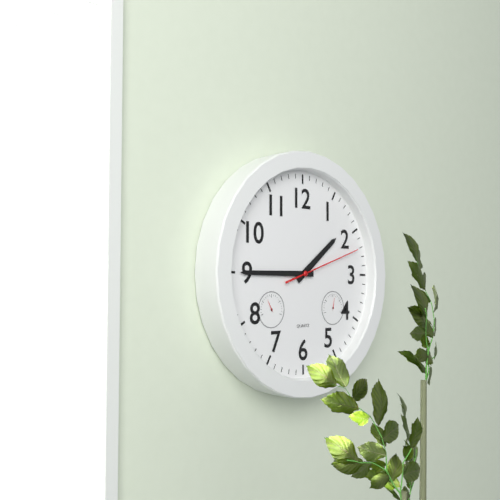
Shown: h=1 m=45 s=12
